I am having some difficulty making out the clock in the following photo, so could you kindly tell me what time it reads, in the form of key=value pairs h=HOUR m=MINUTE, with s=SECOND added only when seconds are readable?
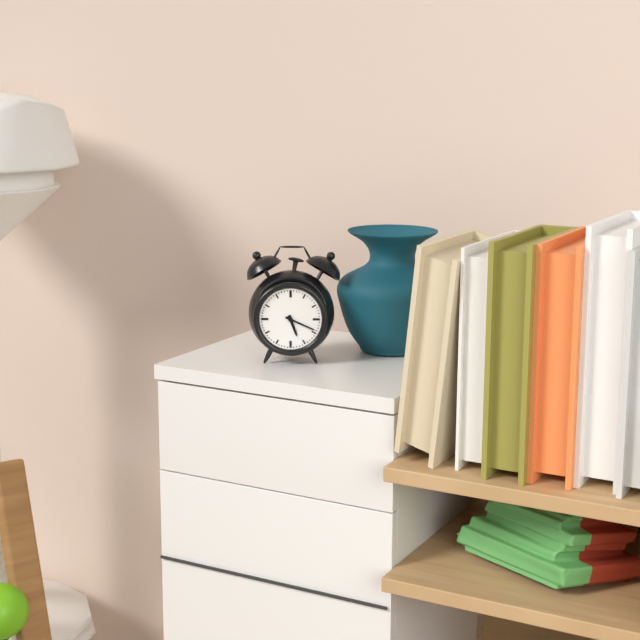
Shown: h=5 m=19
